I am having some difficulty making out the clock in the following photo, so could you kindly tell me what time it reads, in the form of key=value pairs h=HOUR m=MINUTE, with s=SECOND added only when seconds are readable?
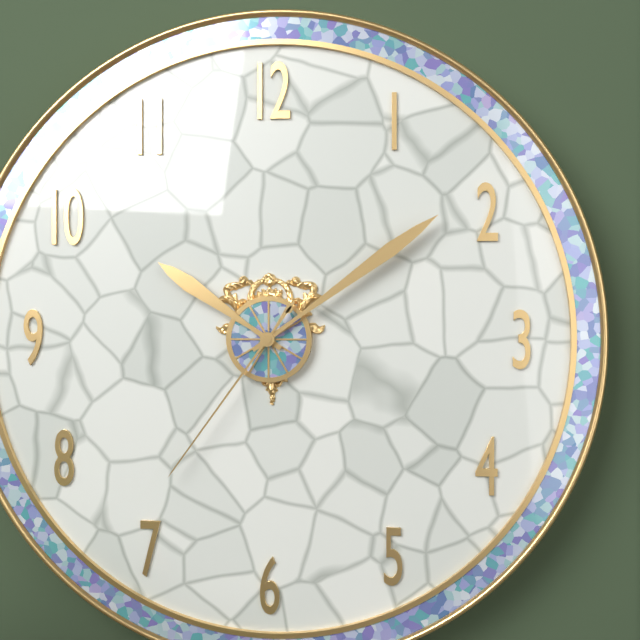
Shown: h=10 m=9 s=36
